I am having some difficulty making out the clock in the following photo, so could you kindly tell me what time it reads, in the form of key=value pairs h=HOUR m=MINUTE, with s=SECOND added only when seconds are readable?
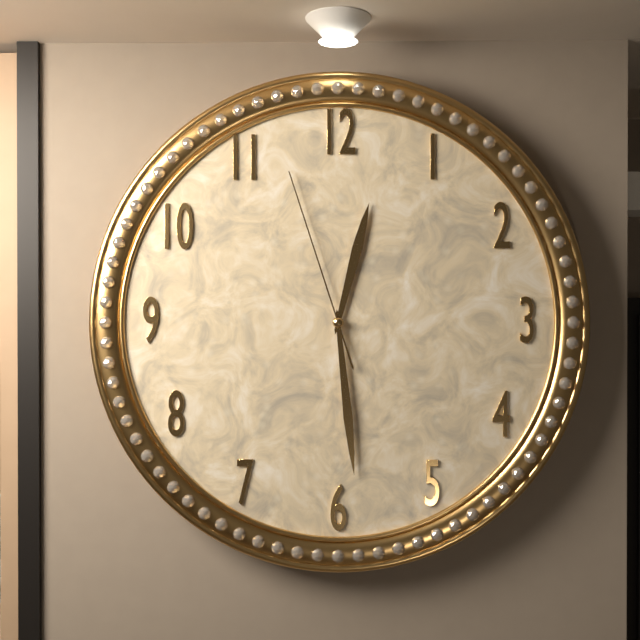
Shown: h=12 m=29 s=57
